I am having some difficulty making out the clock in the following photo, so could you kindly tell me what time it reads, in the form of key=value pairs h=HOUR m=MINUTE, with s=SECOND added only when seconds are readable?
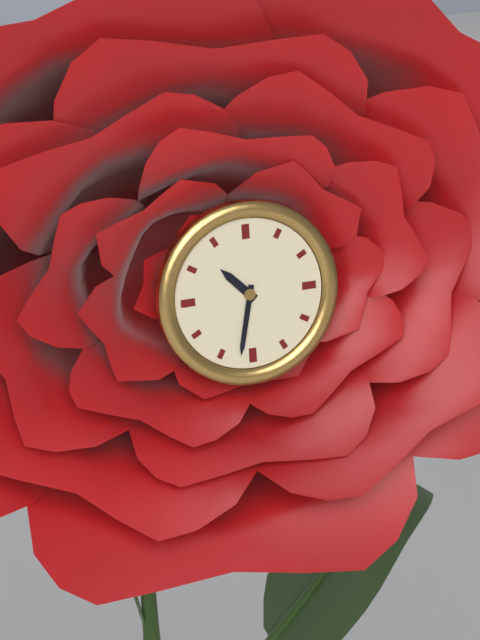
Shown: h=10 m=32
